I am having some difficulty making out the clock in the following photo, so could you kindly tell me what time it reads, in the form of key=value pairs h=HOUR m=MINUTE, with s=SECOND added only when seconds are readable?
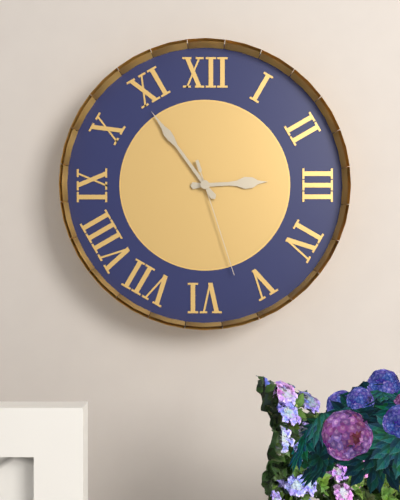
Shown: h=2 m=54 s=27
